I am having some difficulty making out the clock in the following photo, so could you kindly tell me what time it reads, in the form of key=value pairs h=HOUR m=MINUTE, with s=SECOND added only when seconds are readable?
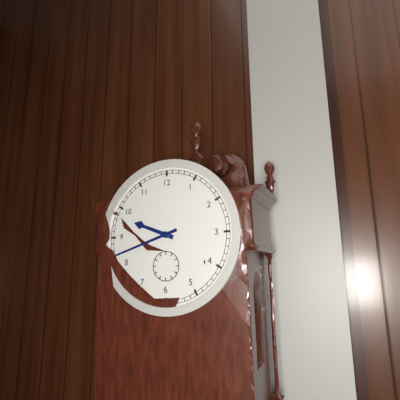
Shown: h=9 m=42
